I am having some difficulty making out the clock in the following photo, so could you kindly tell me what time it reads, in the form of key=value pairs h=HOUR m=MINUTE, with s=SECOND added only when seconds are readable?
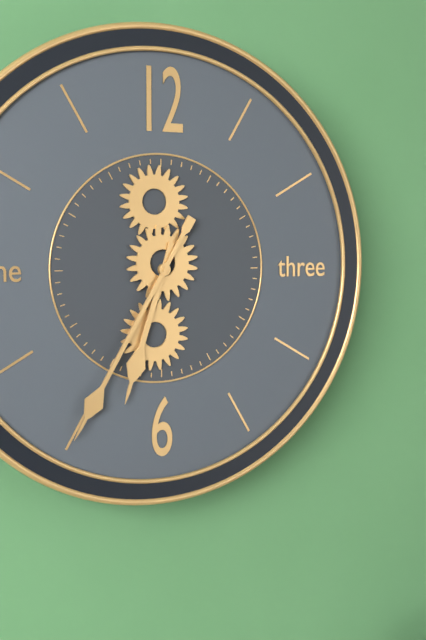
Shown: h=6 m=35
